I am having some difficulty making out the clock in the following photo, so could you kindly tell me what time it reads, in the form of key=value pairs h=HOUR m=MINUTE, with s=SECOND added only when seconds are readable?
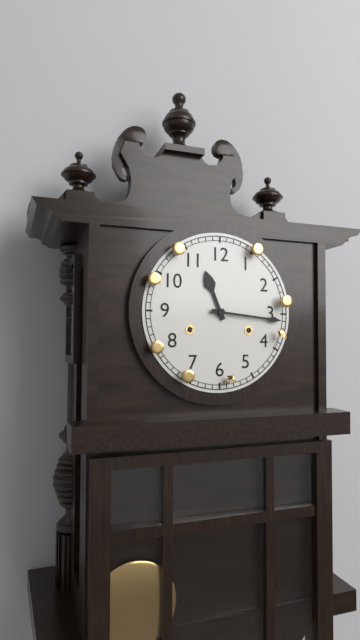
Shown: h=11 m=16
